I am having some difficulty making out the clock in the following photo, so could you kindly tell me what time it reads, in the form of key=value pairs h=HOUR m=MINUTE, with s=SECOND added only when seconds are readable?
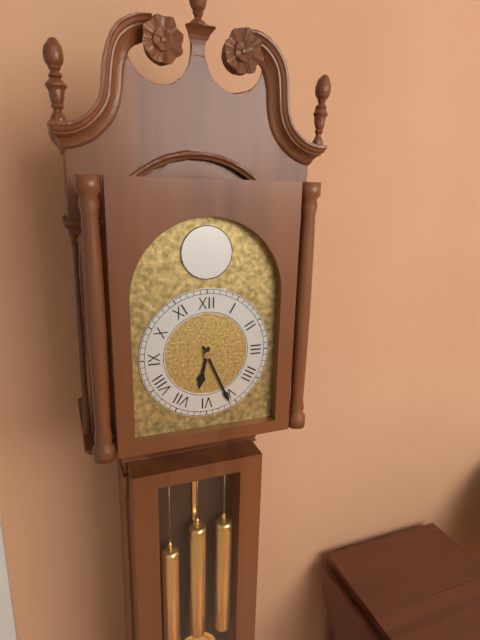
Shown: h=6 m=26
